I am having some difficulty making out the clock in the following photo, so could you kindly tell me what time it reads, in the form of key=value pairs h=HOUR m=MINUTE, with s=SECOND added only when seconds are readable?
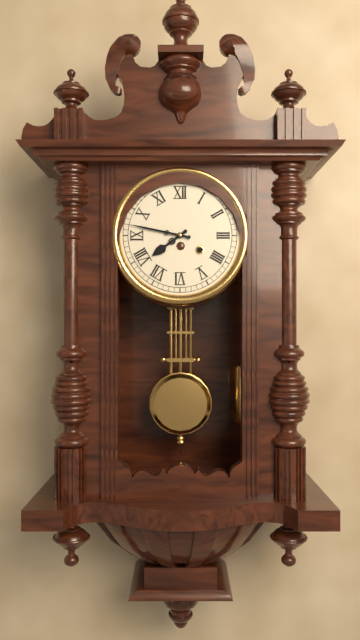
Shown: h=7 m=47
